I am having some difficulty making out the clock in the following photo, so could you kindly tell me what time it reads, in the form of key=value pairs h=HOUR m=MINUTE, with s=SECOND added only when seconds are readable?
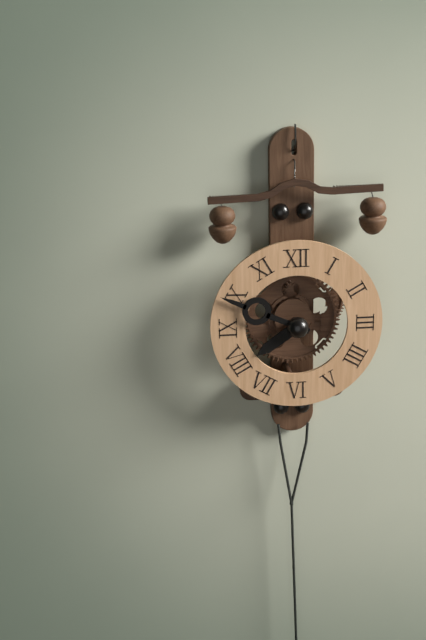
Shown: h=7 m=49
